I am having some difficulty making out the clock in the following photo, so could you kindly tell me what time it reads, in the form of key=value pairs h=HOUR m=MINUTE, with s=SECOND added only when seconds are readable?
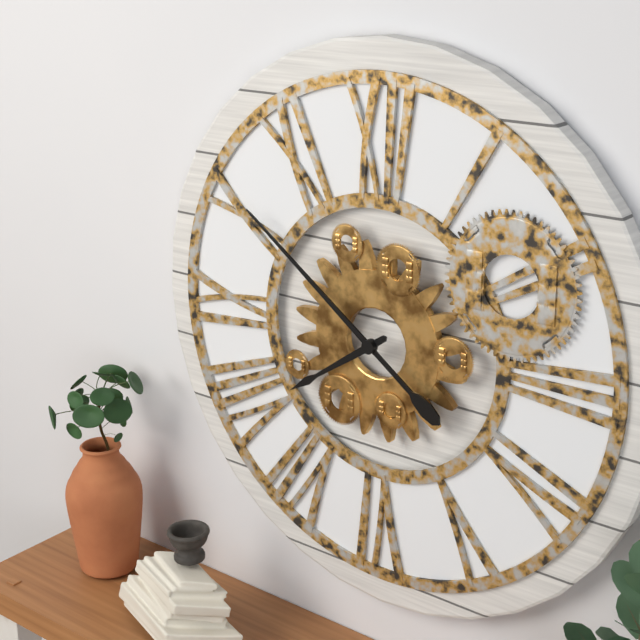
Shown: h=7 m=51
